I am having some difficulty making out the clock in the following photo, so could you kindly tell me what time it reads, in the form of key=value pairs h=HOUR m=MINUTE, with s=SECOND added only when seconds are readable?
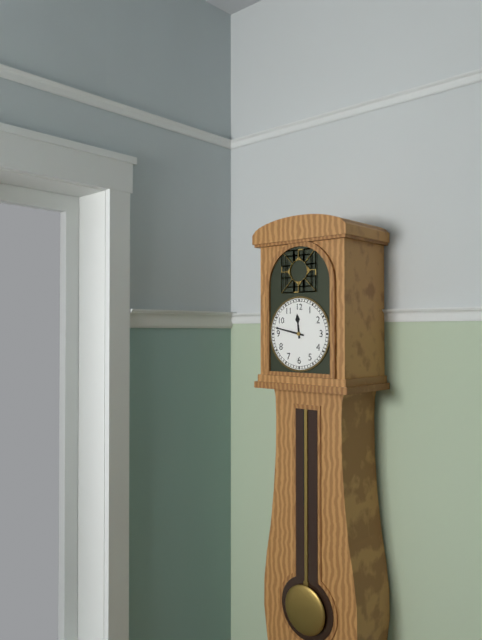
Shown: h=11 m=47
